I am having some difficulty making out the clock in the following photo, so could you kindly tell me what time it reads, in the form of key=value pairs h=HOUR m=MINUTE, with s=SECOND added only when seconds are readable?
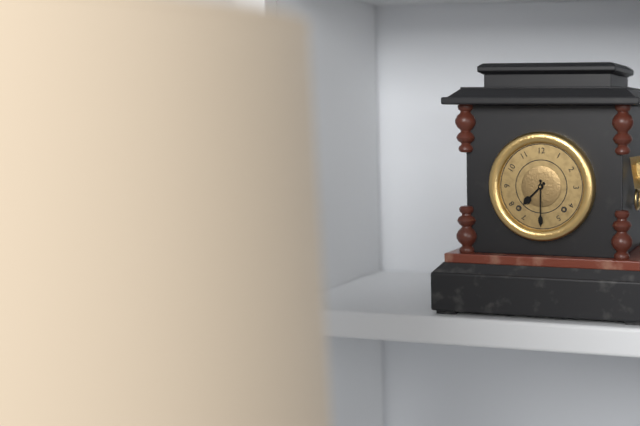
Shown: h=7 m=30
